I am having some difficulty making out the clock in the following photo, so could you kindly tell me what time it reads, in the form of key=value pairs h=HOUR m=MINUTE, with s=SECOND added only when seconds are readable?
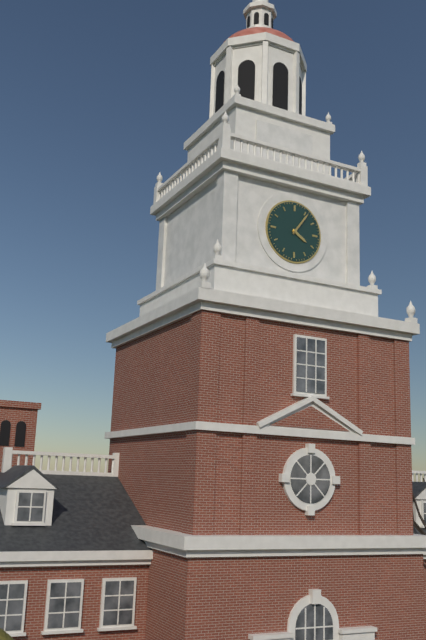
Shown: h=4 m=6
